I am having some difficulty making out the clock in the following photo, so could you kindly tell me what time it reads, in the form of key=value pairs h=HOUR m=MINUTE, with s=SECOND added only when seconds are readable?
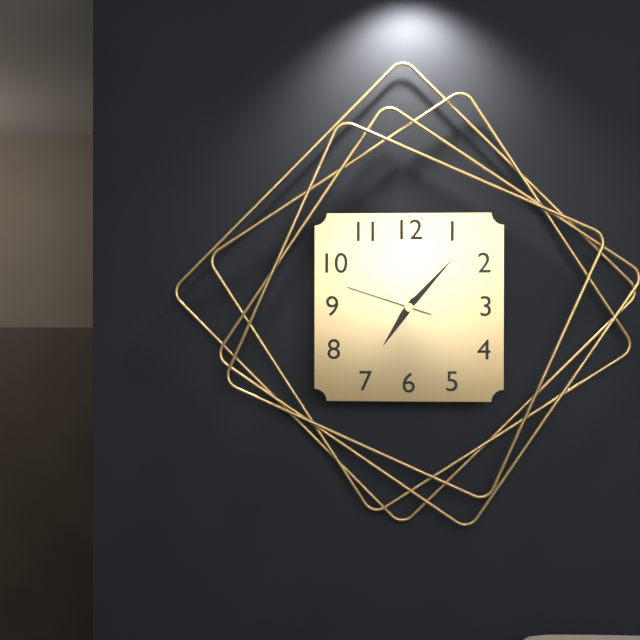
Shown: h=7 m=7 s=48
